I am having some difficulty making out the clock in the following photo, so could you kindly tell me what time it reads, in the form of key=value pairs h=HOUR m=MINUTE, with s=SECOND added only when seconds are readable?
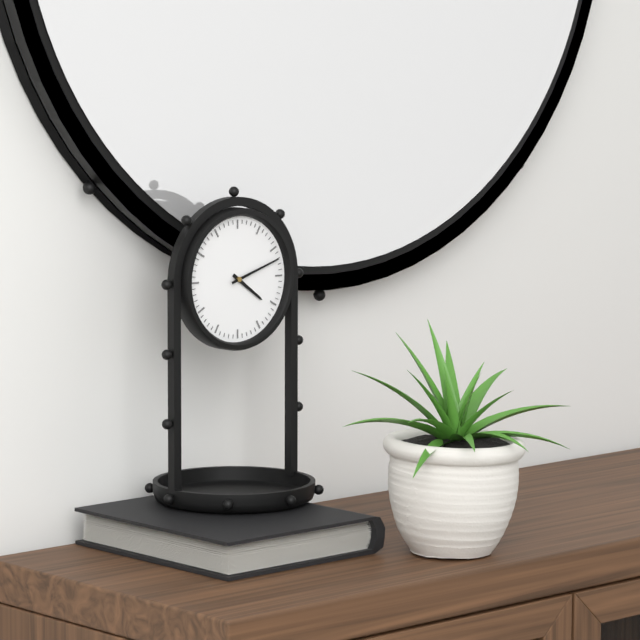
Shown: h=4 m=12
